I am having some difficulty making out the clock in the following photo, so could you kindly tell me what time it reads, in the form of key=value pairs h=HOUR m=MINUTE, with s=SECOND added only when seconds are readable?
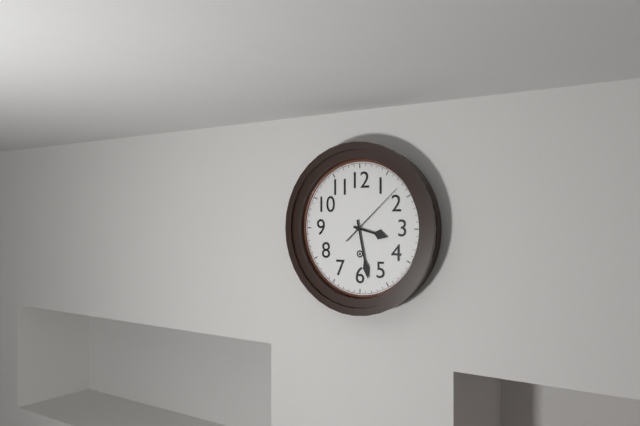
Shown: h=3 m=28 s=8
